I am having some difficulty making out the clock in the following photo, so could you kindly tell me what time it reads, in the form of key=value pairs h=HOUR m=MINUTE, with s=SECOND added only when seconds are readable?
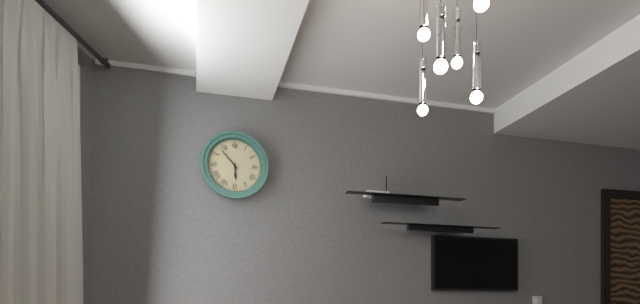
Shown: h=5 m=53
